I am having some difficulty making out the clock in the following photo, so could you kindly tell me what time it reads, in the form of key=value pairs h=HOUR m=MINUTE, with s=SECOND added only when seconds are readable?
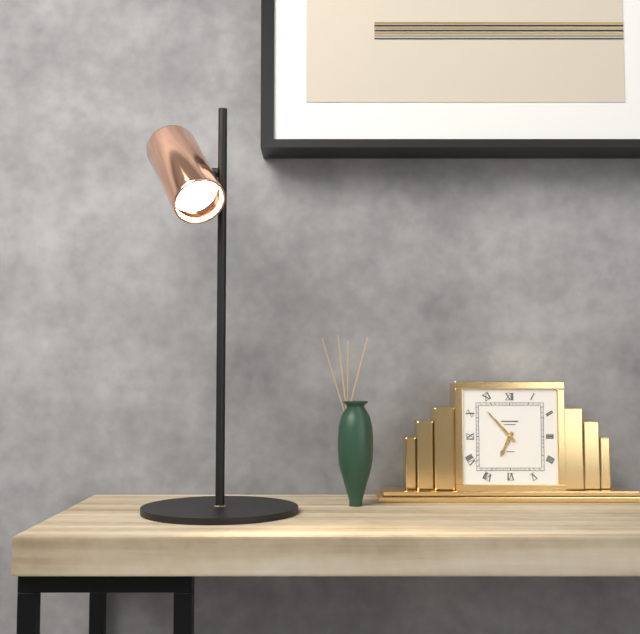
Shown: h=6 m=53
